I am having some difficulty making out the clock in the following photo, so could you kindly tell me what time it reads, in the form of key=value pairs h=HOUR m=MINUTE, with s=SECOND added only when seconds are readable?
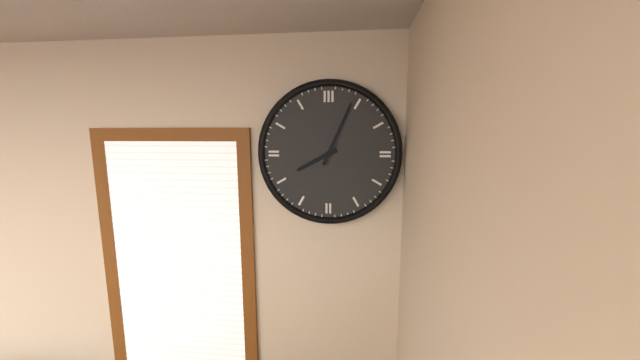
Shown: h=8 m=4
